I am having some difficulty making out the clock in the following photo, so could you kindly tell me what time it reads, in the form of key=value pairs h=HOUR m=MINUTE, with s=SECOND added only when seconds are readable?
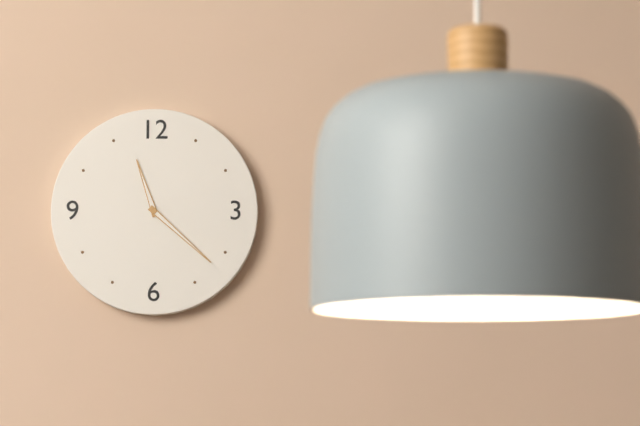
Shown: h=11 m=22
